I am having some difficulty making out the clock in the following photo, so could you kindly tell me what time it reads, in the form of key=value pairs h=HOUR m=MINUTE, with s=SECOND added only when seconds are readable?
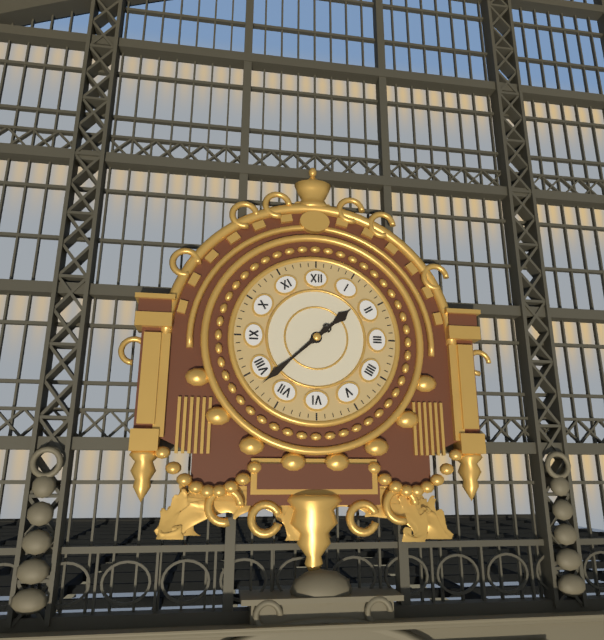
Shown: h=1 m=38
